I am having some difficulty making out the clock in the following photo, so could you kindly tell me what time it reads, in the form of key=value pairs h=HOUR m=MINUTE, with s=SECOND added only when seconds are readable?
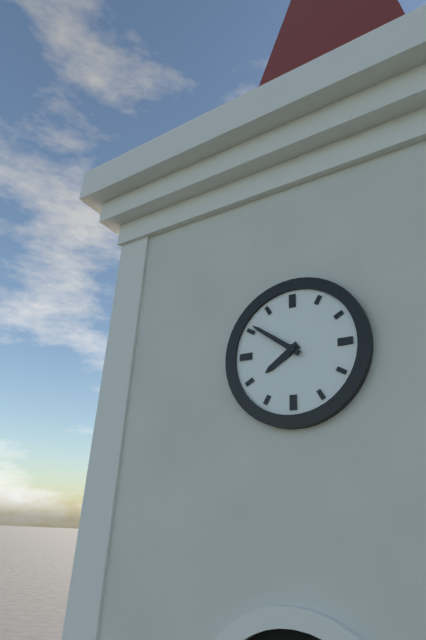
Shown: h=7 m=51
